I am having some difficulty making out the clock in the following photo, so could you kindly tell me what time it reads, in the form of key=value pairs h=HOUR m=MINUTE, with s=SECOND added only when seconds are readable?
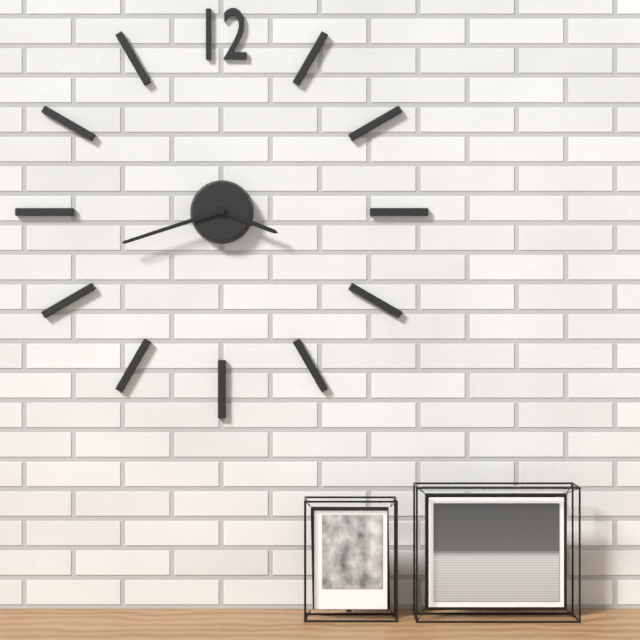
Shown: h=3 m=42
